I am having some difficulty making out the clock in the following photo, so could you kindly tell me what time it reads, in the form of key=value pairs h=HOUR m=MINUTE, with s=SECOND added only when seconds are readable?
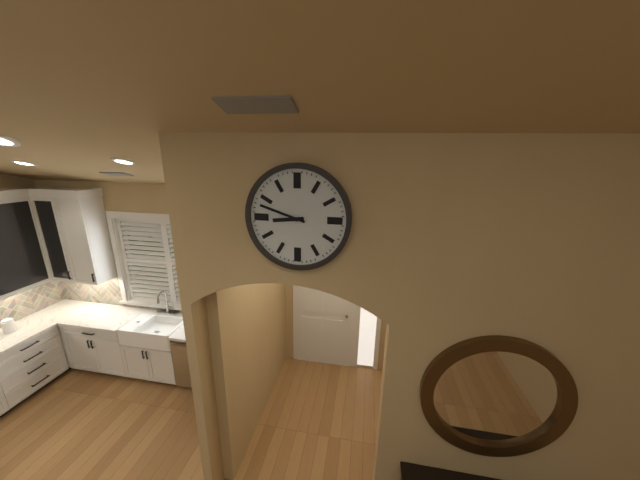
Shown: h=8 m=48
